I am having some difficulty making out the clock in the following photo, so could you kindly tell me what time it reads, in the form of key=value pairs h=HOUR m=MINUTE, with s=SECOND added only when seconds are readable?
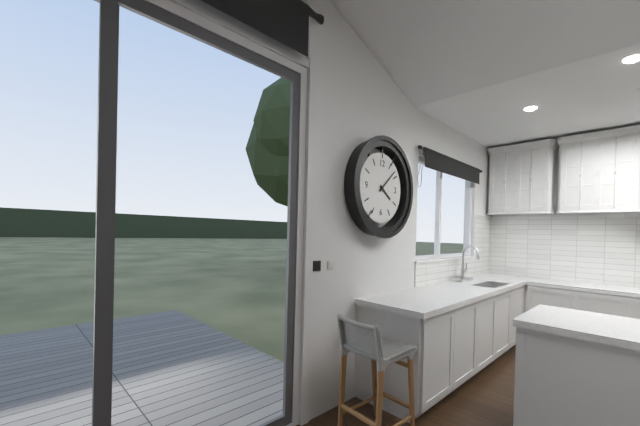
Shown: h=4 m=8
